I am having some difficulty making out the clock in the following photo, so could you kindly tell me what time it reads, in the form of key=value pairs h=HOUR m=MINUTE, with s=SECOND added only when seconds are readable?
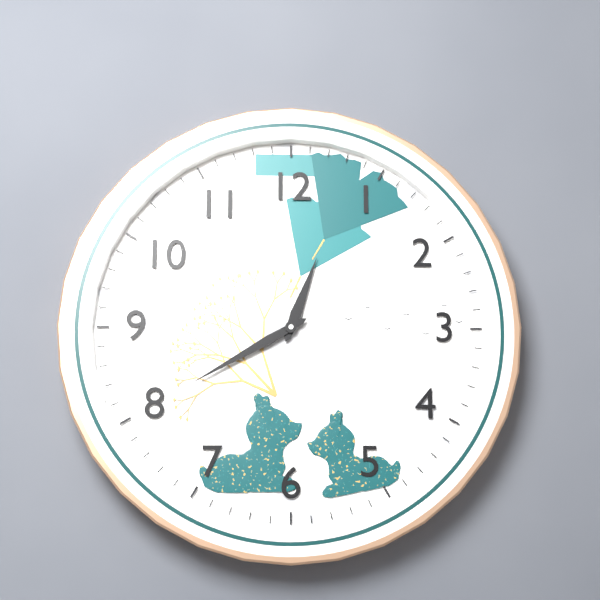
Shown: h=12 m=40
